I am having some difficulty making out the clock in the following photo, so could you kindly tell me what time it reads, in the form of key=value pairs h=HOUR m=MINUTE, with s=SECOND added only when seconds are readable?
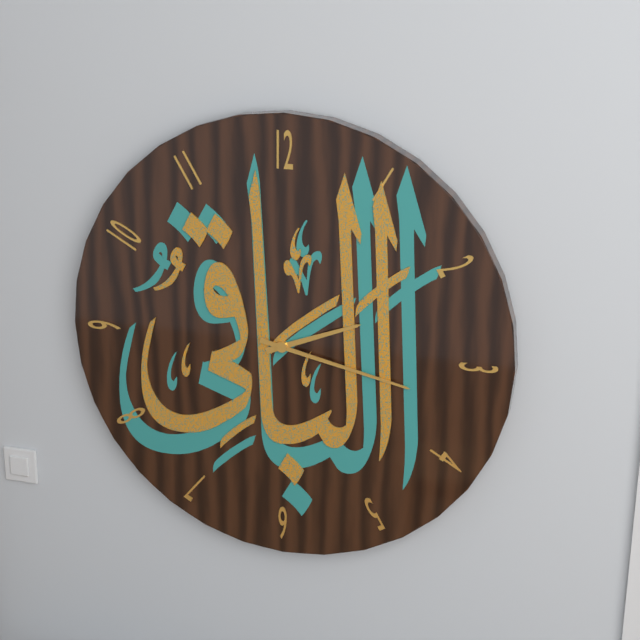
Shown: h=2 m=17
